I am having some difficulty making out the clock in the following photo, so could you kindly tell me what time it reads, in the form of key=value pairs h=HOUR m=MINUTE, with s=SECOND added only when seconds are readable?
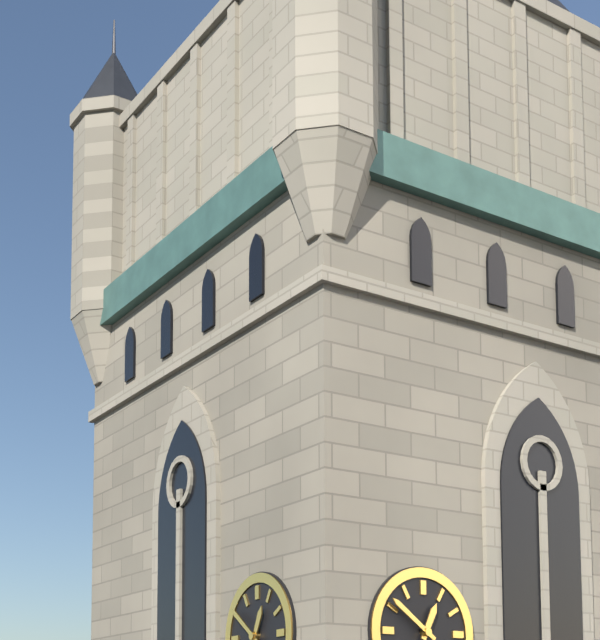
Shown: h=12 m=51
